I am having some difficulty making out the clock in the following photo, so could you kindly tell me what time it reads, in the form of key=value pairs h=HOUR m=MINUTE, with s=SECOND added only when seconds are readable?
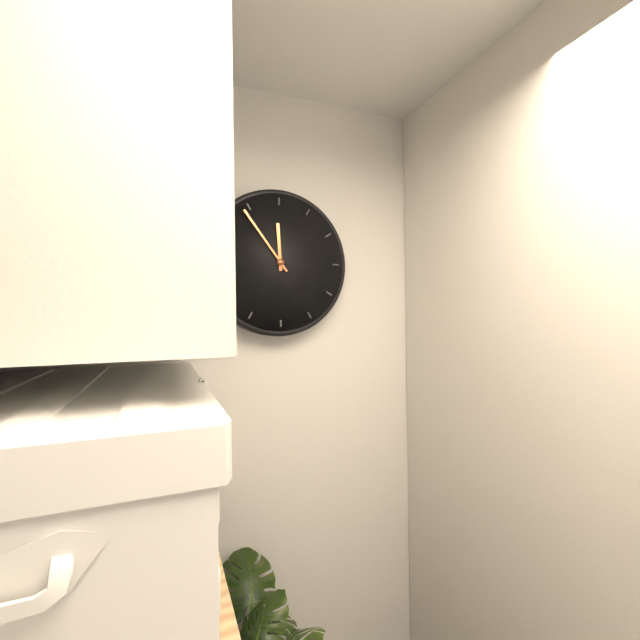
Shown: h=11 m=54
